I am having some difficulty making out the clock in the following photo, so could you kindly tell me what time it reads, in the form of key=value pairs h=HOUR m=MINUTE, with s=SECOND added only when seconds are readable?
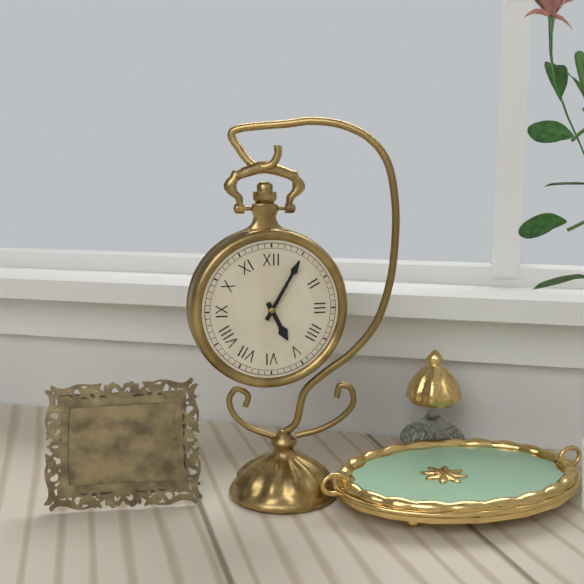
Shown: h=5 m=5
